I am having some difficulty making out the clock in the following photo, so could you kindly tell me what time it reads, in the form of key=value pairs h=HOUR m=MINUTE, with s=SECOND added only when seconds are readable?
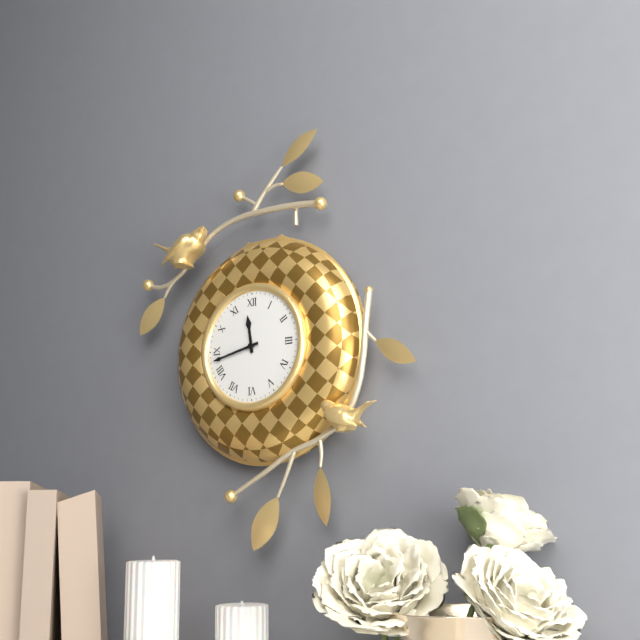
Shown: h=11 m=43
